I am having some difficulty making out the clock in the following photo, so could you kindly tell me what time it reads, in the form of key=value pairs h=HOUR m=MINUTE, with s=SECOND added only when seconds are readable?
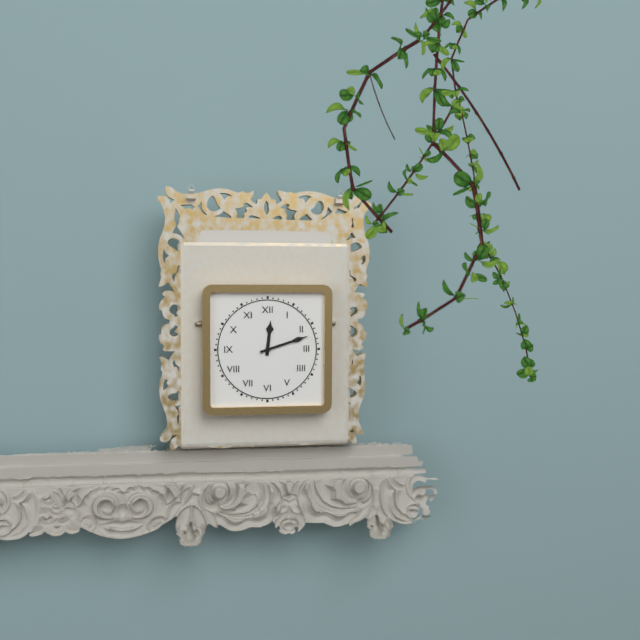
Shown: h=12 m=12
